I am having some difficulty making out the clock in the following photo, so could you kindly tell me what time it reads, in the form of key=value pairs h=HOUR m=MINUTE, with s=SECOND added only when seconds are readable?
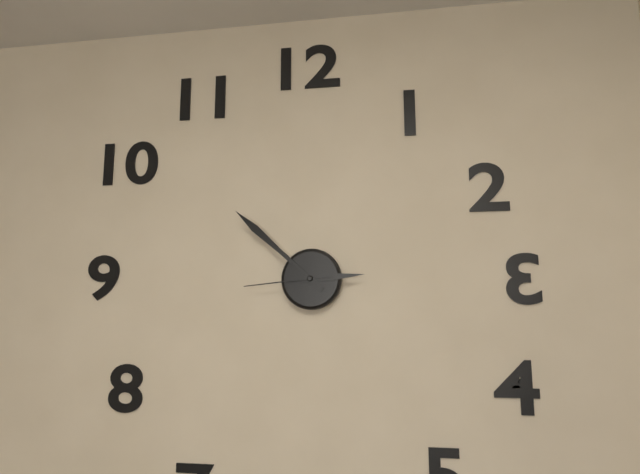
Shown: h=2 m=52 s=44
